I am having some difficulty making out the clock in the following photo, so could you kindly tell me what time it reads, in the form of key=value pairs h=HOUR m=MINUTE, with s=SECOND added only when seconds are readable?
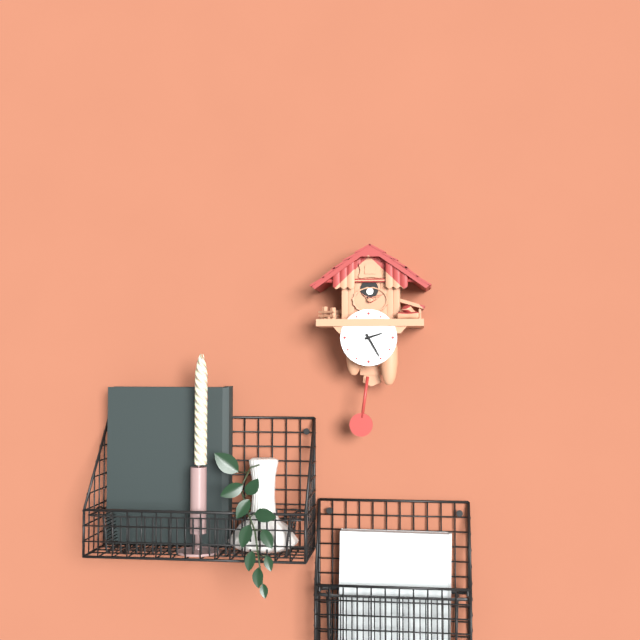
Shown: h=2 m=25
